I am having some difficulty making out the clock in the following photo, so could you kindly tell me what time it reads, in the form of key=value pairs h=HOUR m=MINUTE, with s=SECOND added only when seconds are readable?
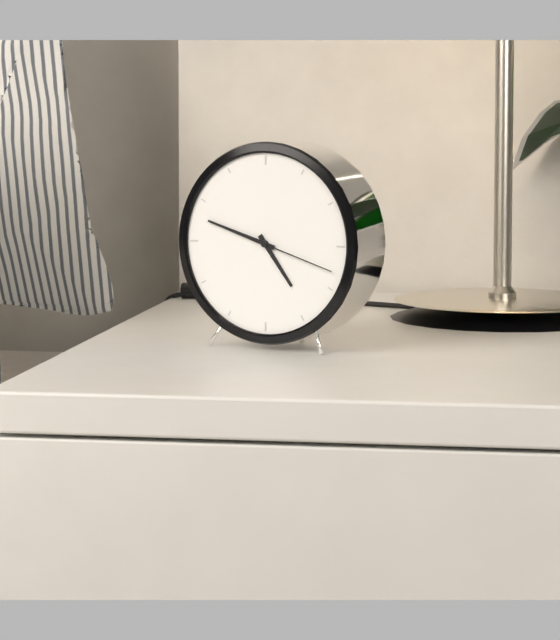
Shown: h=4 m=48 s=18
